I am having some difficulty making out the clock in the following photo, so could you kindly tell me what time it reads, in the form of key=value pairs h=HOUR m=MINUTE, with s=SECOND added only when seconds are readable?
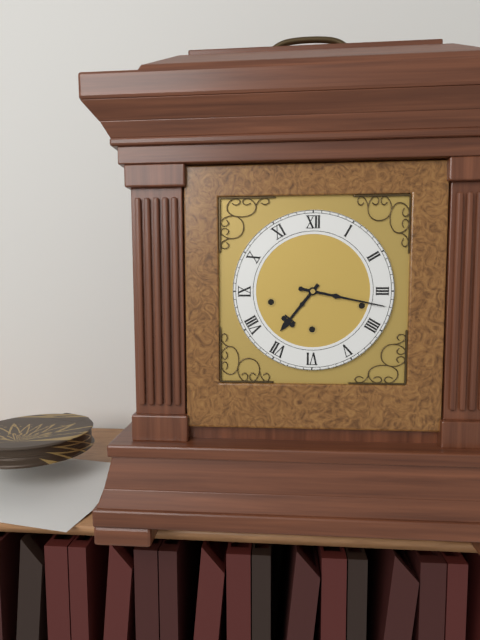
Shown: h=7 m=17
